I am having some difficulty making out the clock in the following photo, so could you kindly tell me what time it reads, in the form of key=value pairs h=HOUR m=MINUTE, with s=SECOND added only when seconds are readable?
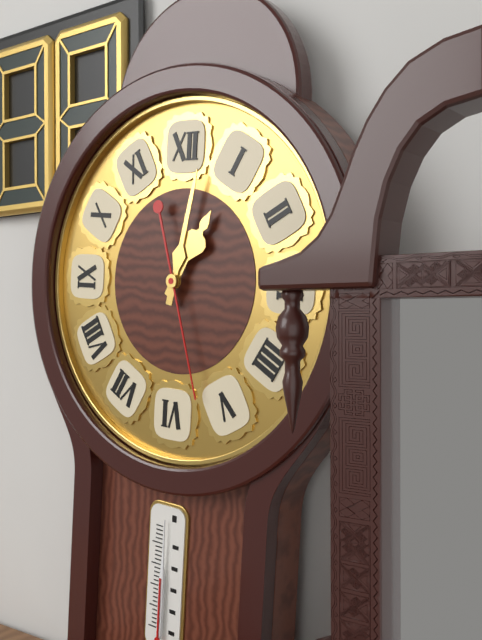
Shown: h=1 m=2 s=27
